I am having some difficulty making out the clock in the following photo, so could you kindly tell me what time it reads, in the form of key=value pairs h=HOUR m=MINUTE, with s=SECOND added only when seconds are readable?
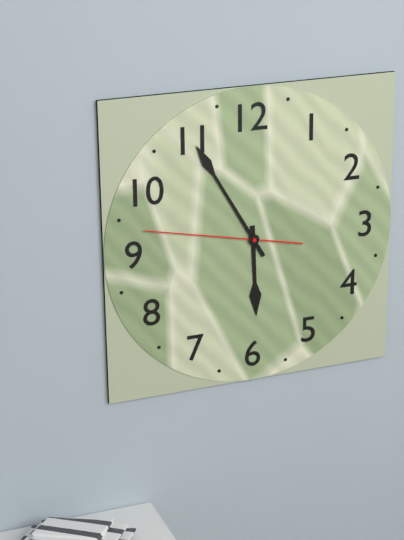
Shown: h=5 m=55 s=47
